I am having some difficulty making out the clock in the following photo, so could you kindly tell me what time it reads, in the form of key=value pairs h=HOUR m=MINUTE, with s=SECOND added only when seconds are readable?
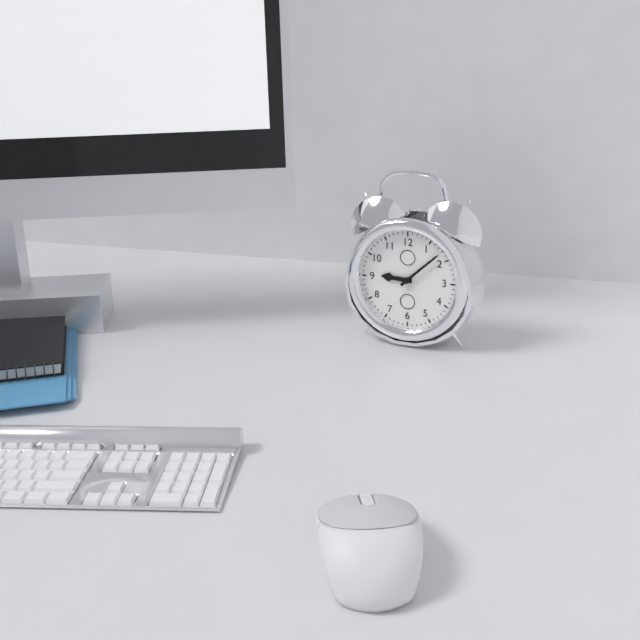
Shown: h=9 m=8
